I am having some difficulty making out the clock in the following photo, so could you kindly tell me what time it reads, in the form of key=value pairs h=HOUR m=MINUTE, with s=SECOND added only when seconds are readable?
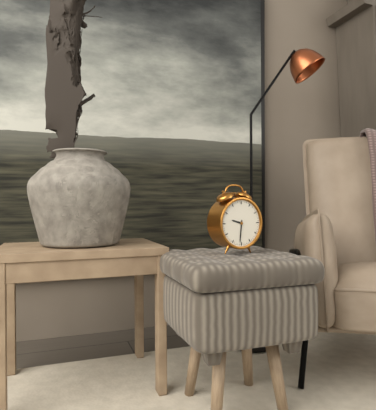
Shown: h=9 m=31
